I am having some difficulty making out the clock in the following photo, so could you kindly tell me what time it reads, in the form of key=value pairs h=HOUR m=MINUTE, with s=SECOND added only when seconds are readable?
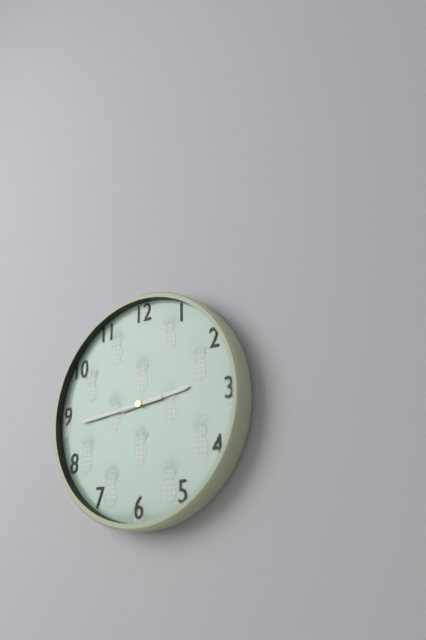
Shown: h=2 m=44
